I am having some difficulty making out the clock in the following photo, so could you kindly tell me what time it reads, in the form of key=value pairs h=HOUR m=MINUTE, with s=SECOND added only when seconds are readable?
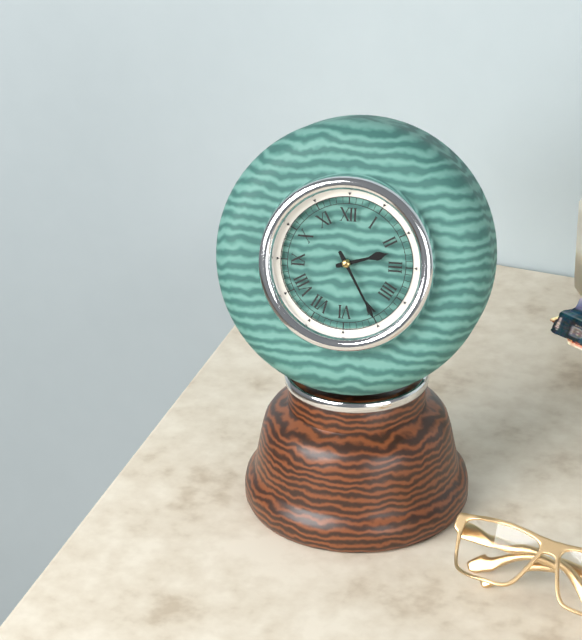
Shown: h=2 m=25
